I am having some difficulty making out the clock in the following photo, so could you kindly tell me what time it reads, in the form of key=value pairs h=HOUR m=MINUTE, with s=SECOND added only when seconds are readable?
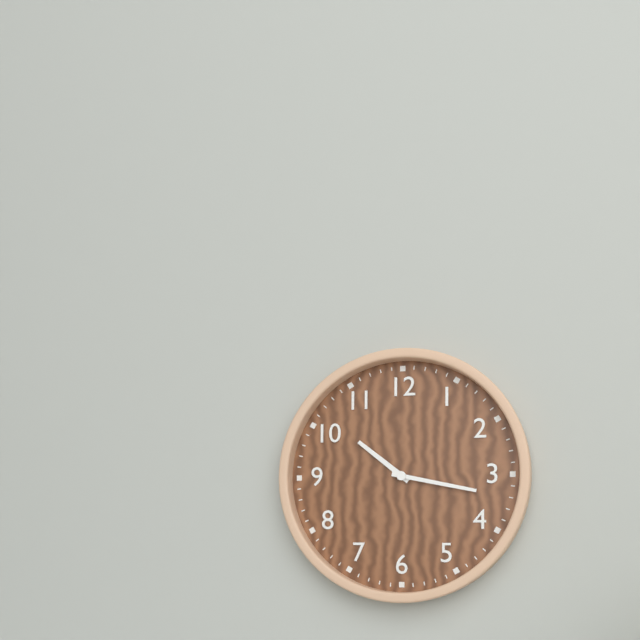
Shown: h=10 m=17
